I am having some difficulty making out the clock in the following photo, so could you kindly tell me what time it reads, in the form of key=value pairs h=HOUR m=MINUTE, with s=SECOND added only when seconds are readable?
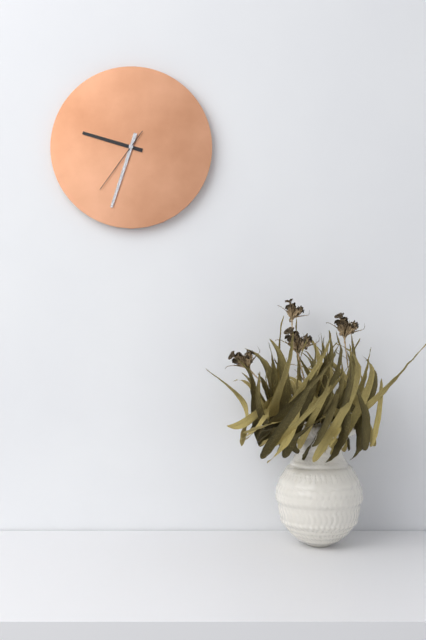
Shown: h=9 m=33 s=36
